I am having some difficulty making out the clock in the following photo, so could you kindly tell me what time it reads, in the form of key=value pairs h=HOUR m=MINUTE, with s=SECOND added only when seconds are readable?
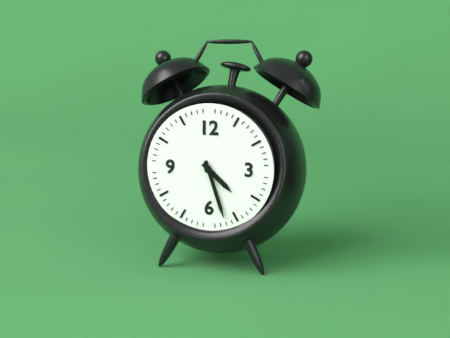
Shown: h=4 m=27
